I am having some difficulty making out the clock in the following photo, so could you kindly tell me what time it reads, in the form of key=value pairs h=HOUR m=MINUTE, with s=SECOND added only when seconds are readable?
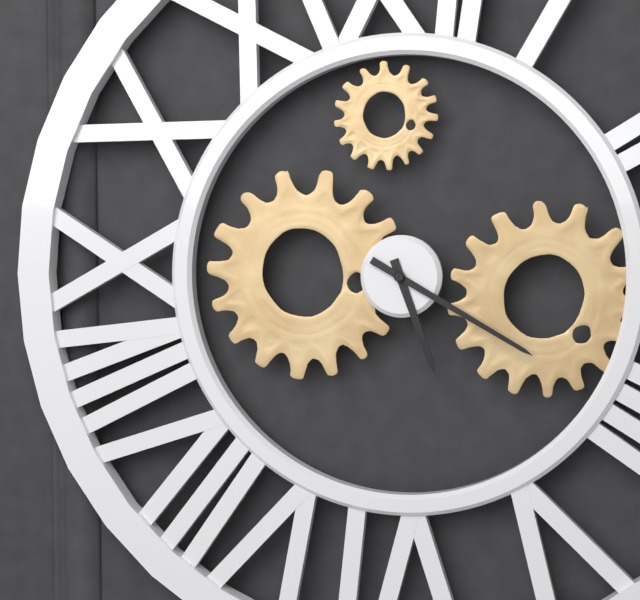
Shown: h=5 m=20
